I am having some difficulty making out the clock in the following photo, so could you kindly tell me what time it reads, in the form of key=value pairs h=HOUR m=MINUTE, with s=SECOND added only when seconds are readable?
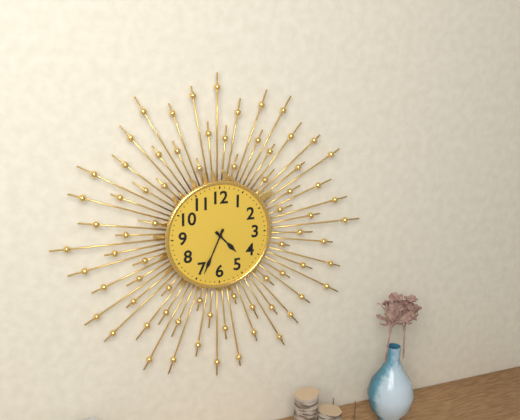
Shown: h=4 m=34
